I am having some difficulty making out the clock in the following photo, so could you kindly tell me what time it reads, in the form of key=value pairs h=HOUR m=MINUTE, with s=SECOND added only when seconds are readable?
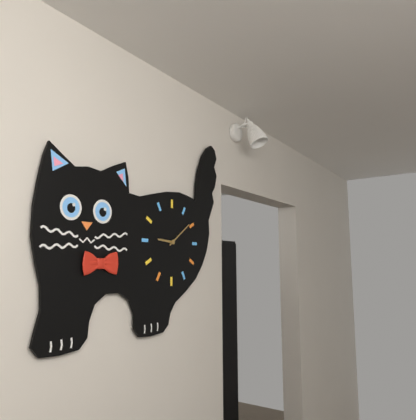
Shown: h=9 m=9
